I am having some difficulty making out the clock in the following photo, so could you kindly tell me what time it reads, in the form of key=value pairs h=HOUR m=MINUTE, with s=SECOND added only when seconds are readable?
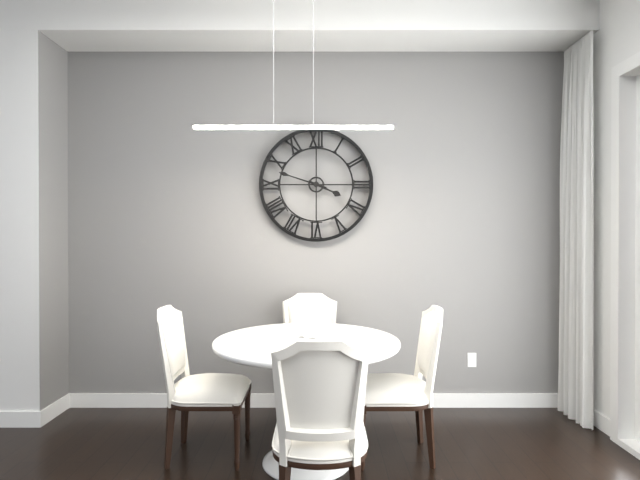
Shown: h=3 m=48
